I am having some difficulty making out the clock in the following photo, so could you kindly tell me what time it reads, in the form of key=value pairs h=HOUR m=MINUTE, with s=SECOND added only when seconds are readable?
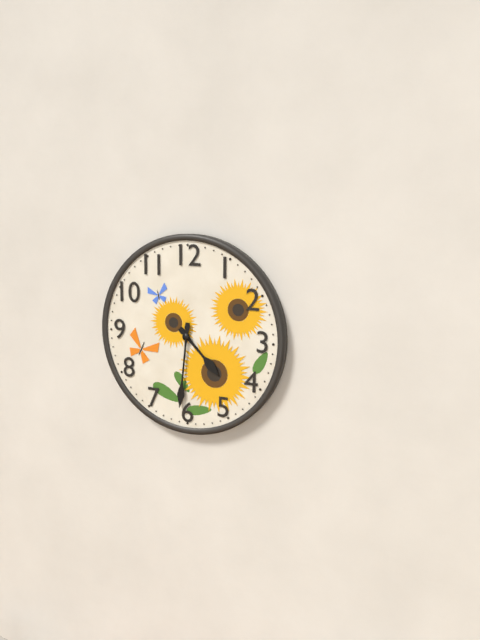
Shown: h=4 m=31
